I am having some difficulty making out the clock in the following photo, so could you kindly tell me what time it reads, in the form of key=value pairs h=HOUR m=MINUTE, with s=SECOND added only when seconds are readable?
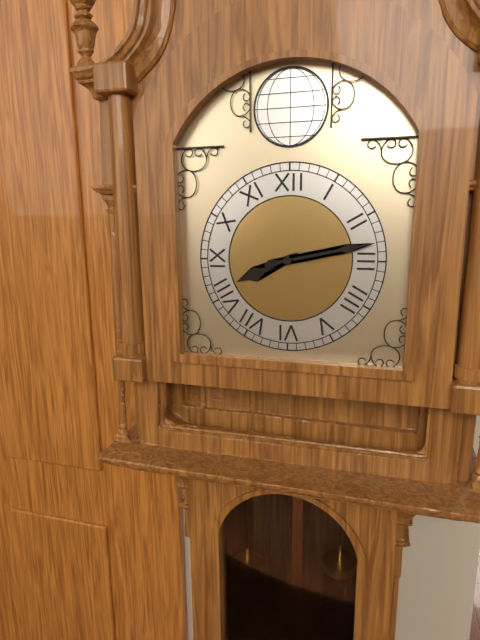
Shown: h=8 m=13
